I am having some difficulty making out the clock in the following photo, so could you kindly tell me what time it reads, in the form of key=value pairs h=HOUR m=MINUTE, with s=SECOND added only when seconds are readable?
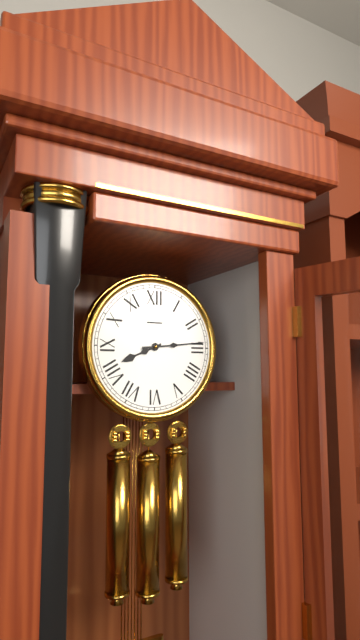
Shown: h=8 m=14
